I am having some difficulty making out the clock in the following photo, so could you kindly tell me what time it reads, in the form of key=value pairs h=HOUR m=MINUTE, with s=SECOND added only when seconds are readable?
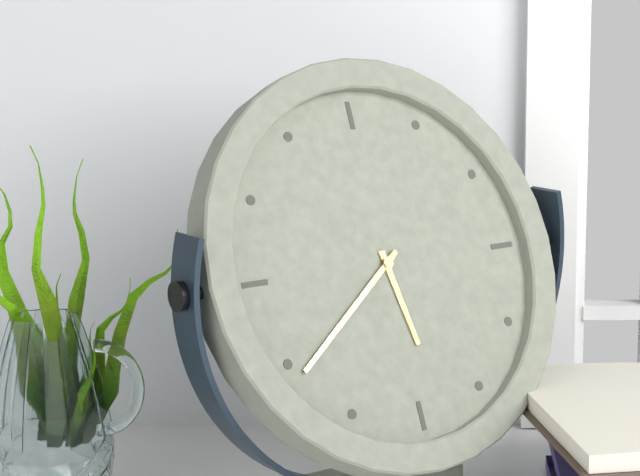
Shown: h=5 m=39
